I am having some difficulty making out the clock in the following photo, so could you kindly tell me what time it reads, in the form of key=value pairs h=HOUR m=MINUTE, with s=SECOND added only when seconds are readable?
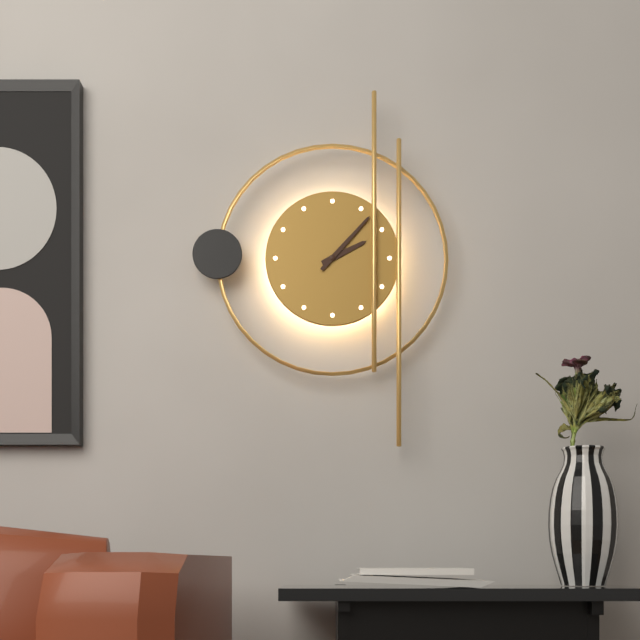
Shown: h=2 m=7
